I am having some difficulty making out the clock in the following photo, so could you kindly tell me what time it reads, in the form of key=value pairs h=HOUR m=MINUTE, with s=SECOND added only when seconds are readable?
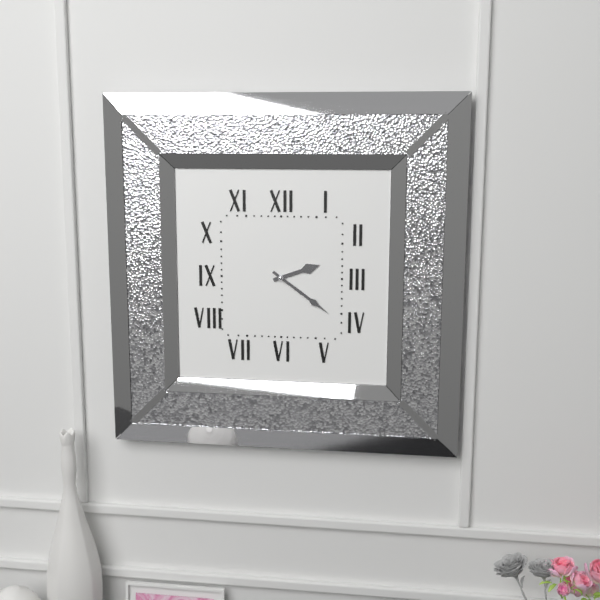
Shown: h=2 m=21
